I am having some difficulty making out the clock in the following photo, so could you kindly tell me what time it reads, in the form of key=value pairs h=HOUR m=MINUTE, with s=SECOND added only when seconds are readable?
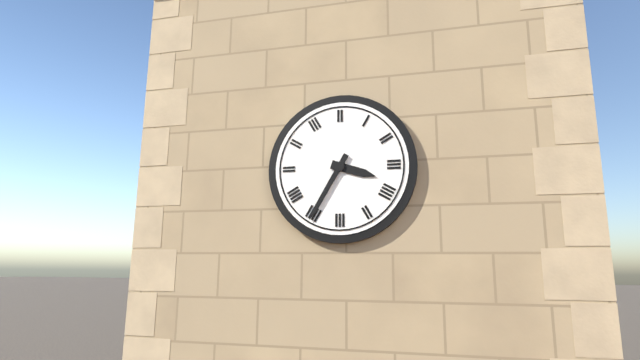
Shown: h=3 m=35
